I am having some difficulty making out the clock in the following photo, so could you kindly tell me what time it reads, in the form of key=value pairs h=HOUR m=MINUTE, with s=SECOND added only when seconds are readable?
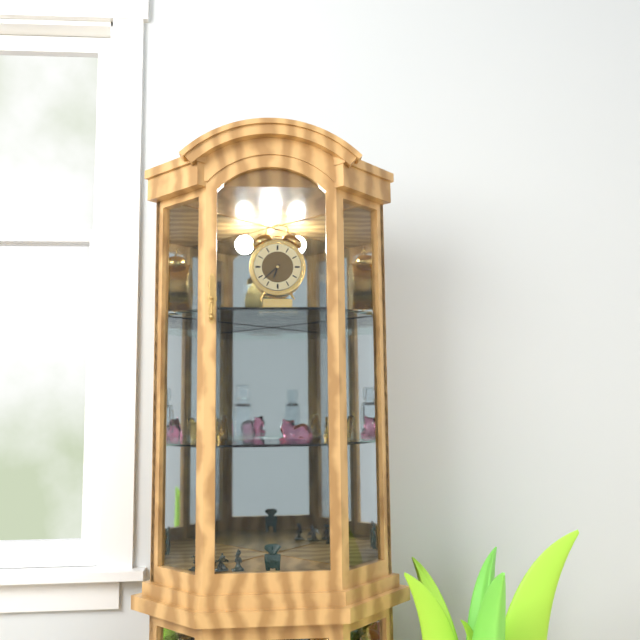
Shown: h=6 m=38
